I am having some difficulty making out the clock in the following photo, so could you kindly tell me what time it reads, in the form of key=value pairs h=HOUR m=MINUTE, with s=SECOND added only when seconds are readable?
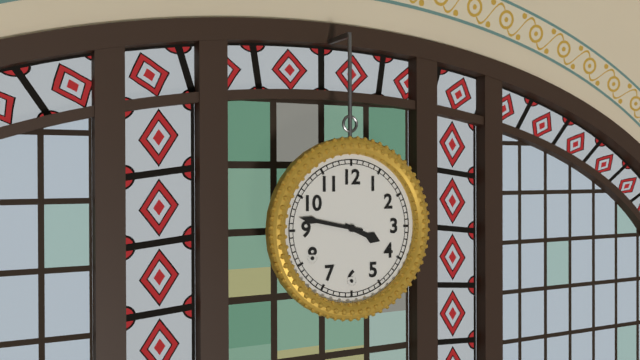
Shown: h=3 m=47
